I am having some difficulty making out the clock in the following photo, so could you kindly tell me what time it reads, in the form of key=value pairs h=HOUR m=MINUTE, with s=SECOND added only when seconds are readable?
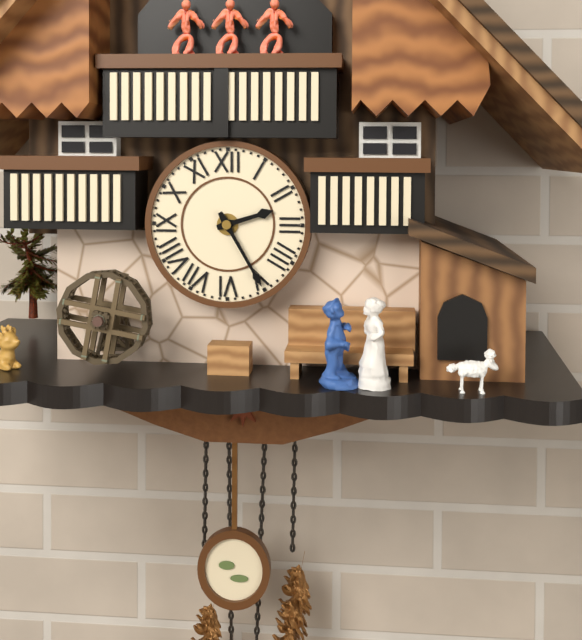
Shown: h=2 m=25
